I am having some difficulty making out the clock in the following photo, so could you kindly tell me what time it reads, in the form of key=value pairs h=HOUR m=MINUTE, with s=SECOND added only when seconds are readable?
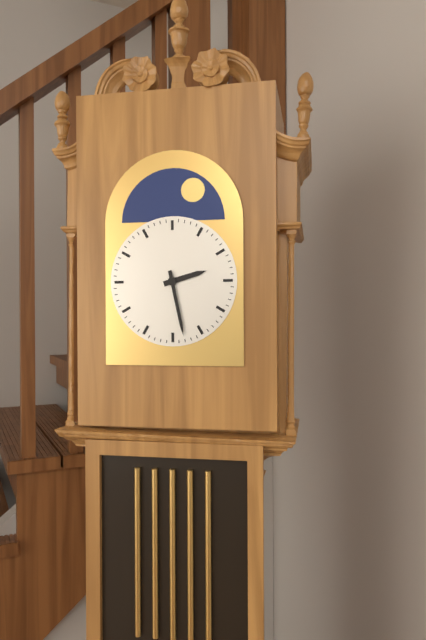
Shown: h=2 m=28
